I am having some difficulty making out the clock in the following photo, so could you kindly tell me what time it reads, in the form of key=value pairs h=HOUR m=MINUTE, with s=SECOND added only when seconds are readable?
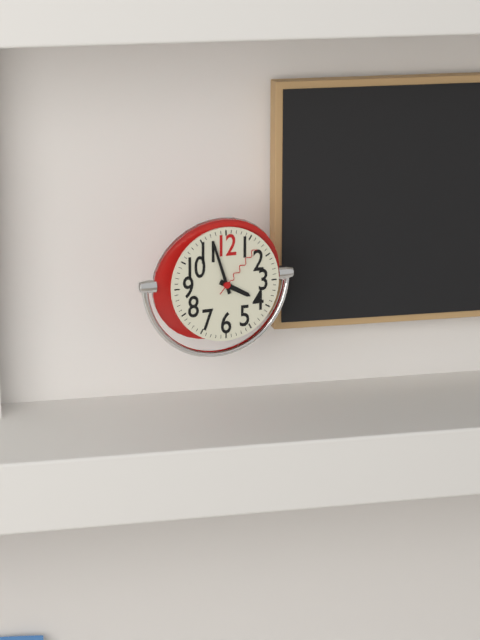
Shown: h=3 m=57 s=7
